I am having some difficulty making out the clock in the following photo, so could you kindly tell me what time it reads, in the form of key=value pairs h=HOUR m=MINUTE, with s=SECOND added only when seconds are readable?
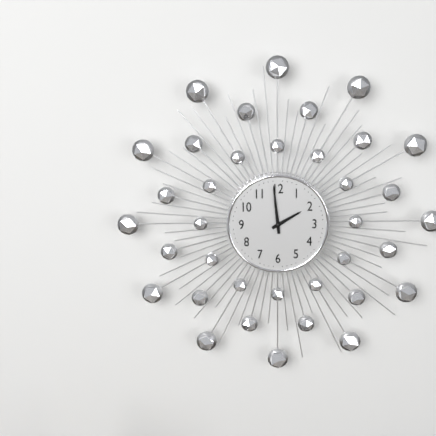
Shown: h=1 m=59
